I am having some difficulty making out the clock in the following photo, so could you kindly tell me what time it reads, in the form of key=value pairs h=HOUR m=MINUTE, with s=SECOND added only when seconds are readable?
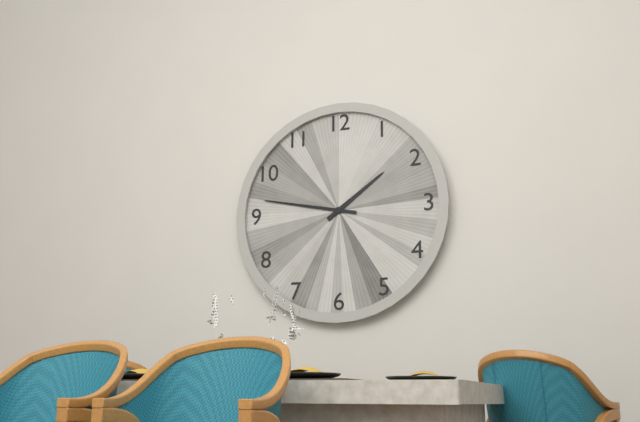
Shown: h=1 m=47
